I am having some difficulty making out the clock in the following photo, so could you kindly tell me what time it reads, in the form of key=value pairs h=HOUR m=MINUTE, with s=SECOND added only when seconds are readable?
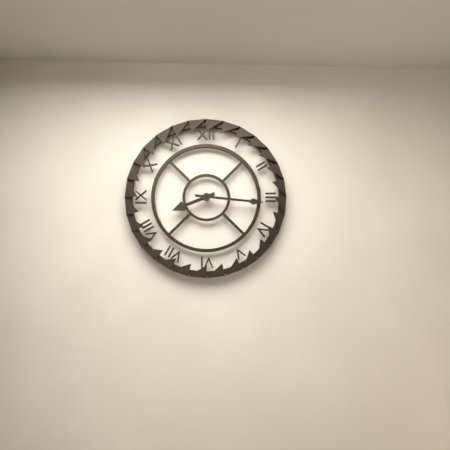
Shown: h=8 m=16
